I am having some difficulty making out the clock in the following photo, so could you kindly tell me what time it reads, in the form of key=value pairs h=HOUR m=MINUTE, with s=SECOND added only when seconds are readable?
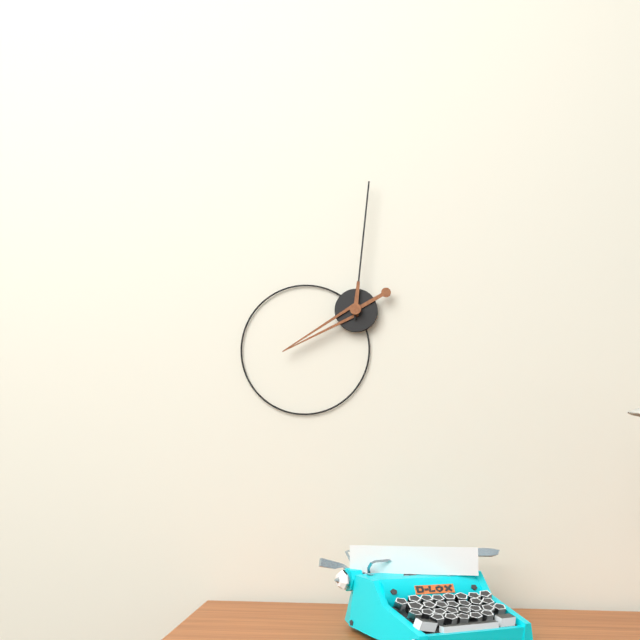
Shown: h=8 m=1
